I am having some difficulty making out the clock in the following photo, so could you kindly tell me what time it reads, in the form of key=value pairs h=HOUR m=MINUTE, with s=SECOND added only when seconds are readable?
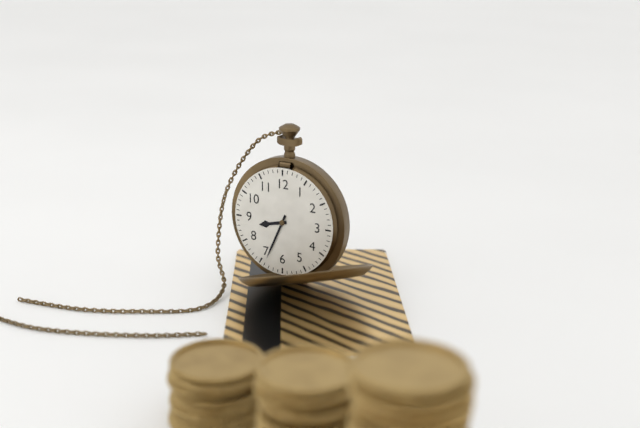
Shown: h=8 m=34
